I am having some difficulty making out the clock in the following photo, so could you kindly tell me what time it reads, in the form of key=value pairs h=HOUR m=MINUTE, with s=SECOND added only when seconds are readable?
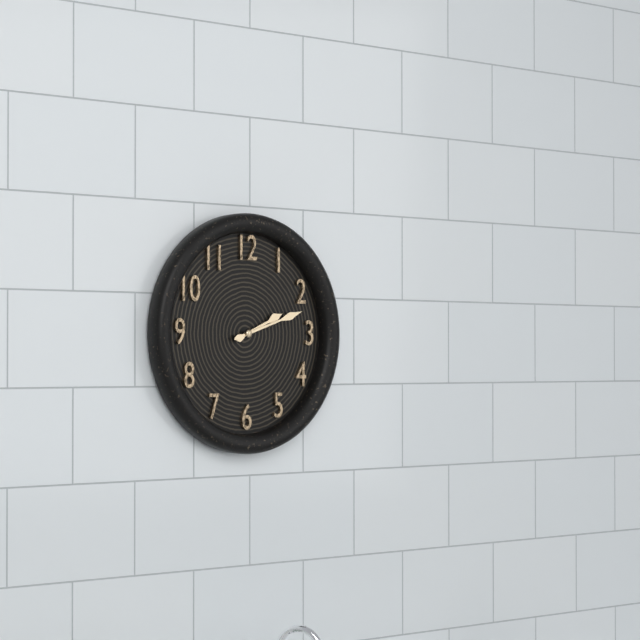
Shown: h=2 m=12
